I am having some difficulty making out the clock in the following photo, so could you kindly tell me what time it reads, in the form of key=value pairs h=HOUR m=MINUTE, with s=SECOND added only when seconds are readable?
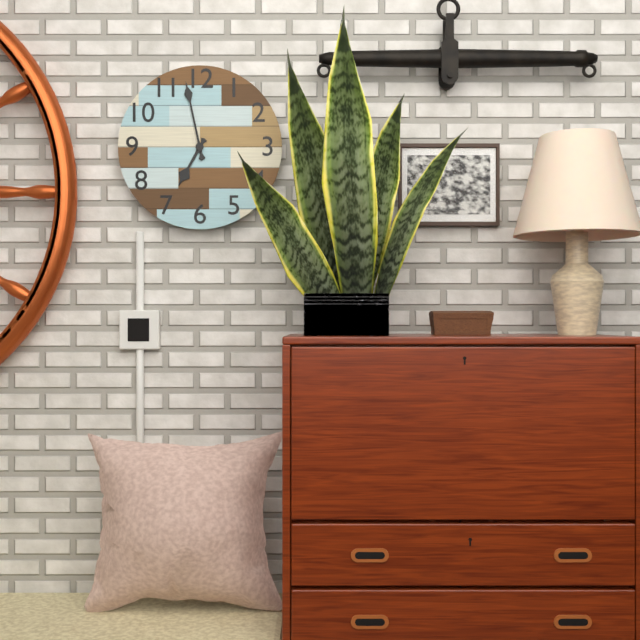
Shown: h=6 m=58
